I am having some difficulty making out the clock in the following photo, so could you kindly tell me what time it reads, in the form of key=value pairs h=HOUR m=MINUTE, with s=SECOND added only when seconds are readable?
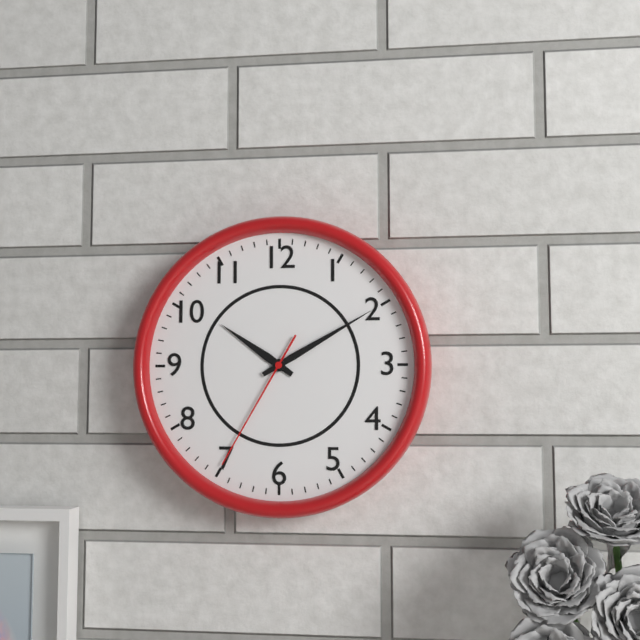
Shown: h=10 m=10 s=35
